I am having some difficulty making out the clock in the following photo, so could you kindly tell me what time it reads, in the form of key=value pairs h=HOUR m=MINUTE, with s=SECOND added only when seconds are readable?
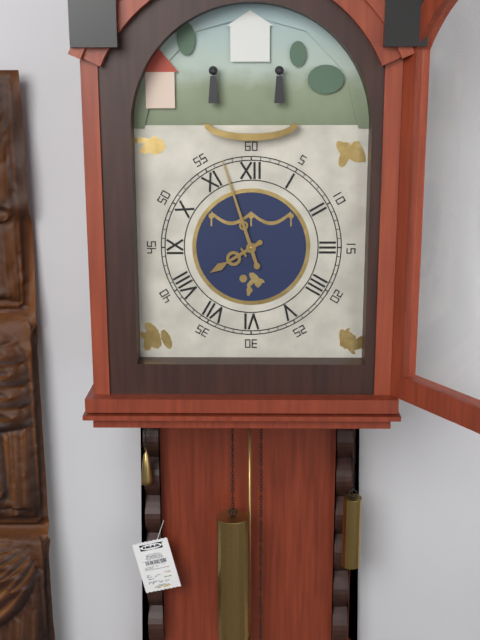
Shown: h=7 m=57
